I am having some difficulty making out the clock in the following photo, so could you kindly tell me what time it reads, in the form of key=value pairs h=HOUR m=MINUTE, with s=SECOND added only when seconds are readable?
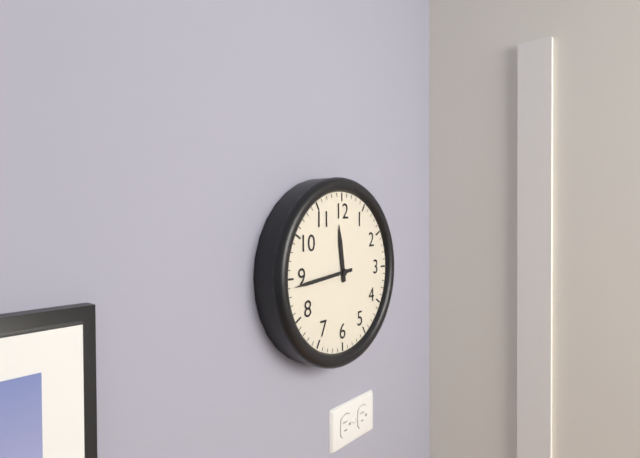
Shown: h=11 m=44
